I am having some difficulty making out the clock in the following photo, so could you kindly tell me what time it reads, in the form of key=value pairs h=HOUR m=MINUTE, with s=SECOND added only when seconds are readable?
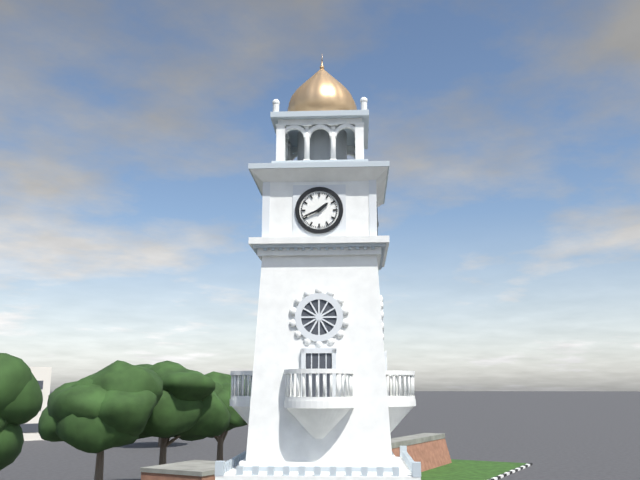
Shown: h=1 m=41
